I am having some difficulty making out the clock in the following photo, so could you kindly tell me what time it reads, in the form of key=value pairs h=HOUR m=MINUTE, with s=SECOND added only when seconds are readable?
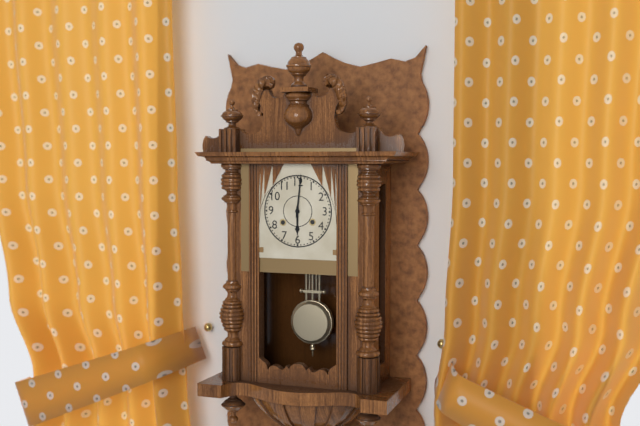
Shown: h=6 m=1
